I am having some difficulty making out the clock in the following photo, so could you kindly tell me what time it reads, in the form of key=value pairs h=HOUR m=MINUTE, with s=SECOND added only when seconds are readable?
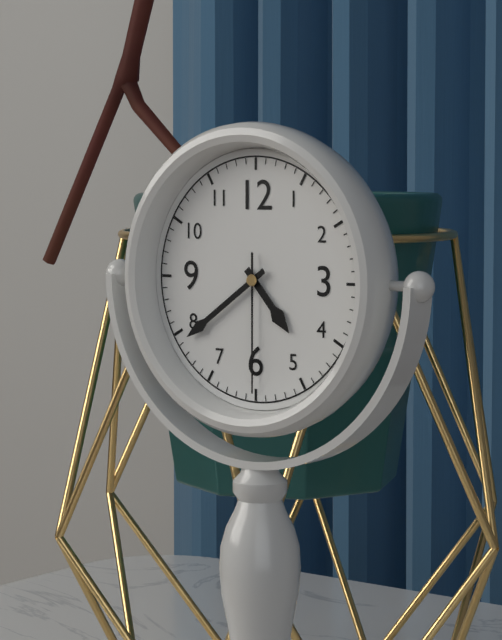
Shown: h=4 m=39 s=30
